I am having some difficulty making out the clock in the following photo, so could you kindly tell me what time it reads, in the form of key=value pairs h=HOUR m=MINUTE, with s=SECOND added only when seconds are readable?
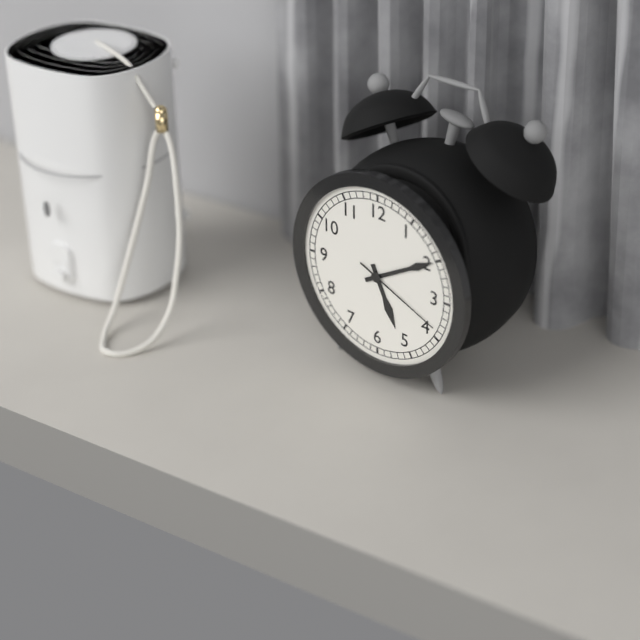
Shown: h=5 m=10 s=19
